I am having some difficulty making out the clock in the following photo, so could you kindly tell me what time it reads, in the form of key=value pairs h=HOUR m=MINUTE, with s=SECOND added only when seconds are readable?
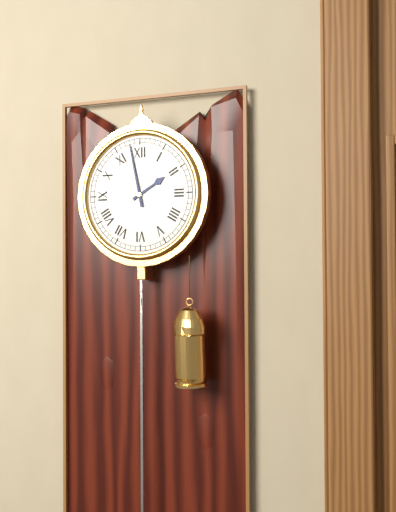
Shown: h=1 m=58
